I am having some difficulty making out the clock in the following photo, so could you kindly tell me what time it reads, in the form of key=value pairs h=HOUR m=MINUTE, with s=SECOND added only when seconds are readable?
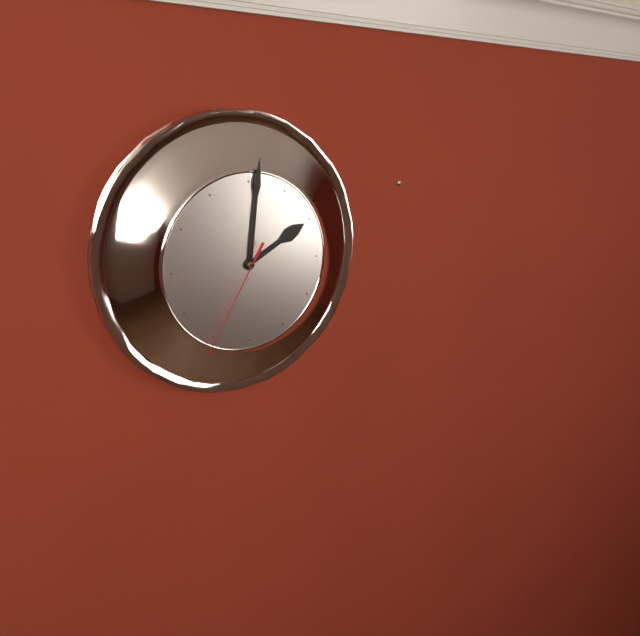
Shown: h=2 m=1 s=35
